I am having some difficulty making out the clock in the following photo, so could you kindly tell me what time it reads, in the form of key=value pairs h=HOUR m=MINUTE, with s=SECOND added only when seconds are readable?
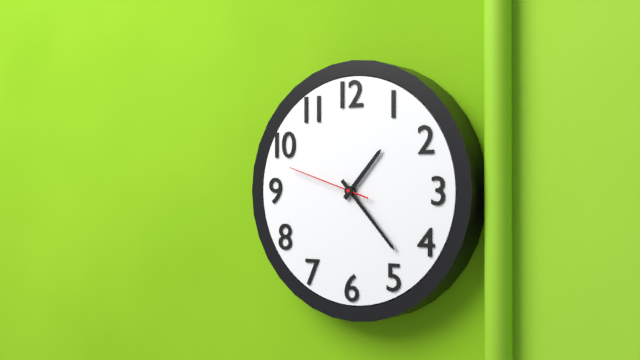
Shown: h=1 m=23 s=48
